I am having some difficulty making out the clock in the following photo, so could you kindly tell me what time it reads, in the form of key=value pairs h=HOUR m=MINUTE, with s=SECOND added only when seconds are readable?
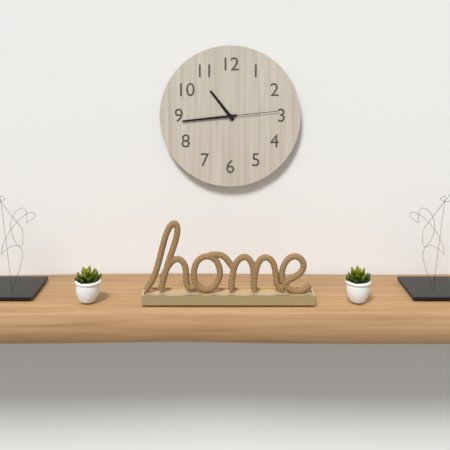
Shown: h=10 m=44 s=14
